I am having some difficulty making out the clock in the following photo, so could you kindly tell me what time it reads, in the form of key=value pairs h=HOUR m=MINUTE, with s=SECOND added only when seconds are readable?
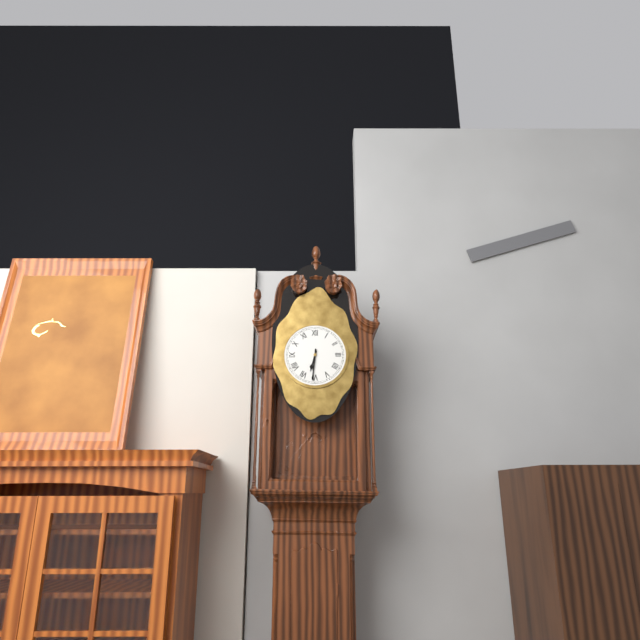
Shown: h=6 m=31
